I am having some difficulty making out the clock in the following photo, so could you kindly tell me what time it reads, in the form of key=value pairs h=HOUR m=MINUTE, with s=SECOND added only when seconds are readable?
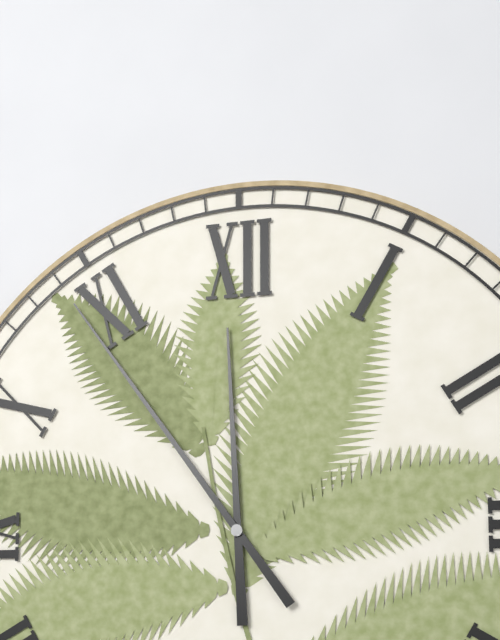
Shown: h=11 m=54
